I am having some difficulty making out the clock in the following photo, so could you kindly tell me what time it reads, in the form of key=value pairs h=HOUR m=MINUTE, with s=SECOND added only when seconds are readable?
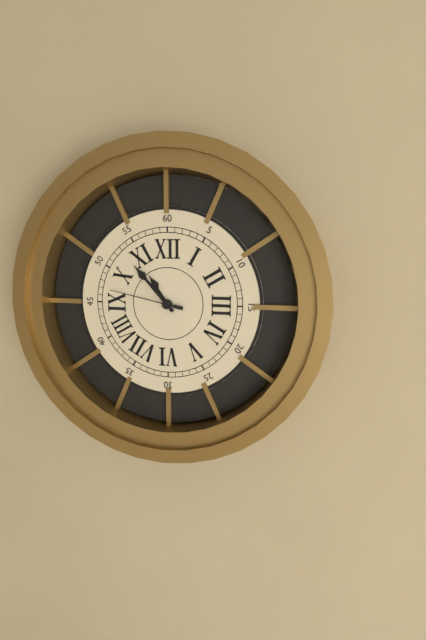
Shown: h=10 m=53 s=47
